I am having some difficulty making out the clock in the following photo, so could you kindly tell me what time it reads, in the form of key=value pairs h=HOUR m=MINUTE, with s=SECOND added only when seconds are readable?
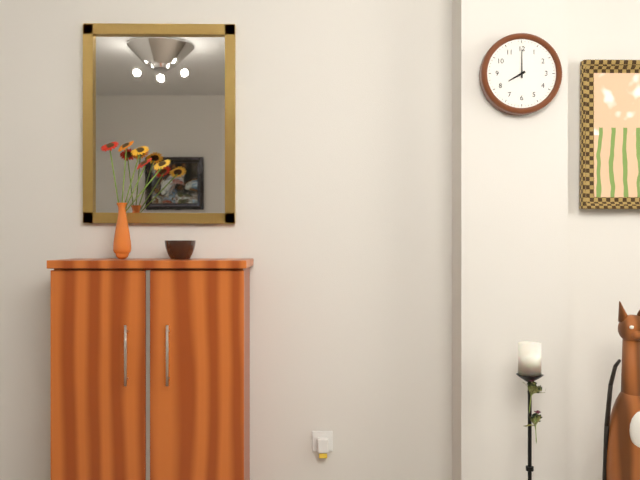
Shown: h=8 m=0
